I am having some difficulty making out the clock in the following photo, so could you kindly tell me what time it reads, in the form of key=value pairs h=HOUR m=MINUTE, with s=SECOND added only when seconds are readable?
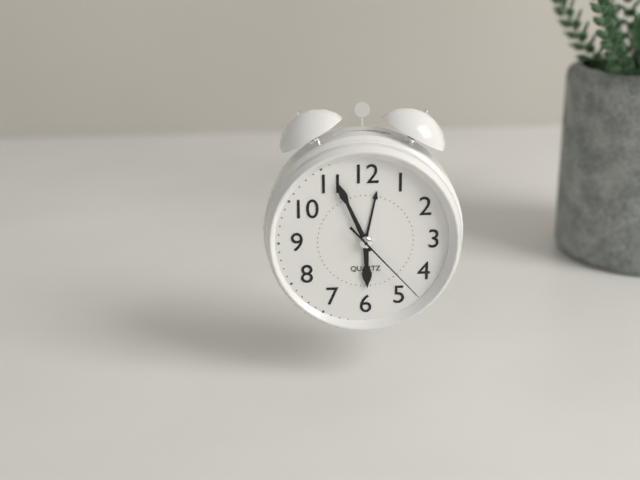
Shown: h=5 m=56 s=23
